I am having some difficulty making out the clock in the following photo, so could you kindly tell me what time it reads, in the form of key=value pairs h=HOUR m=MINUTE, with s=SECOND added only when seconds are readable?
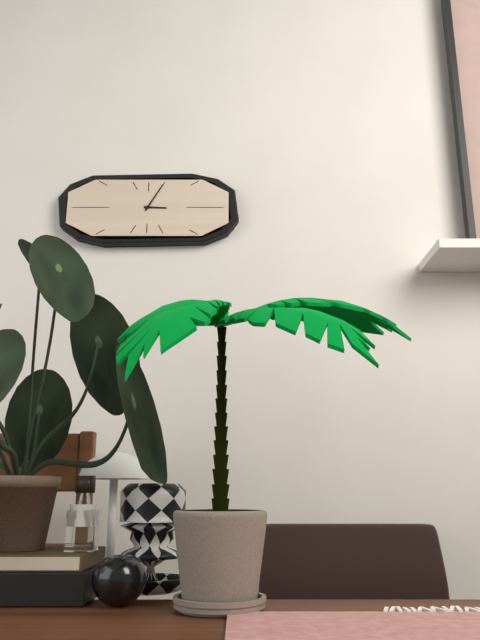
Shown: h=3 m=5
